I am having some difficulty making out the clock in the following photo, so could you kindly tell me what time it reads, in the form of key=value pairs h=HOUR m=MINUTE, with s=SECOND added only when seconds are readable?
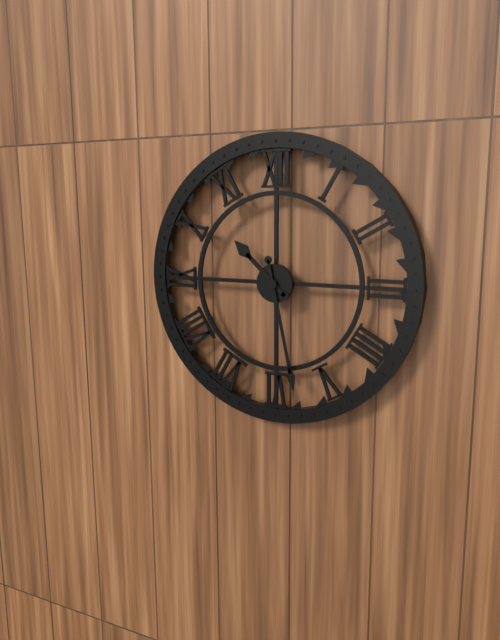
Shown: h=10 m=28
